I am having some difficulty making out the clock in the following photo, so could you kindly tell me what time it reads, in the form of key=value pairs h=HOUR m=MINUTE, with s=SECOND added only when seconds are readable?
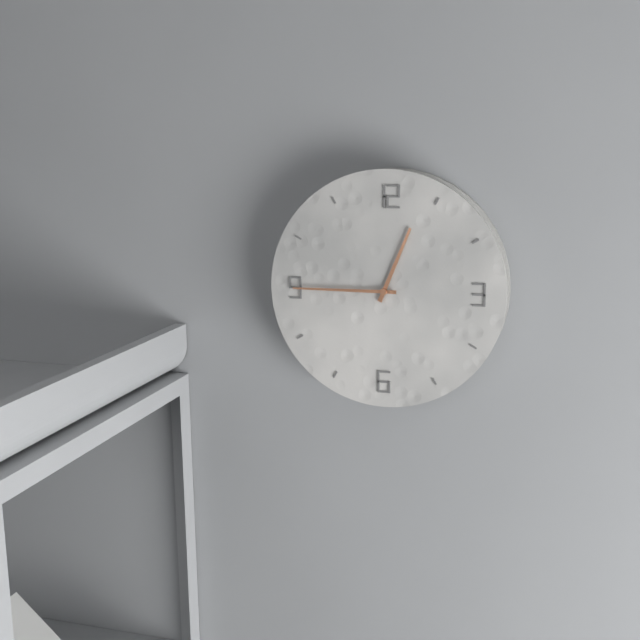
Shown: h=12 m=45
